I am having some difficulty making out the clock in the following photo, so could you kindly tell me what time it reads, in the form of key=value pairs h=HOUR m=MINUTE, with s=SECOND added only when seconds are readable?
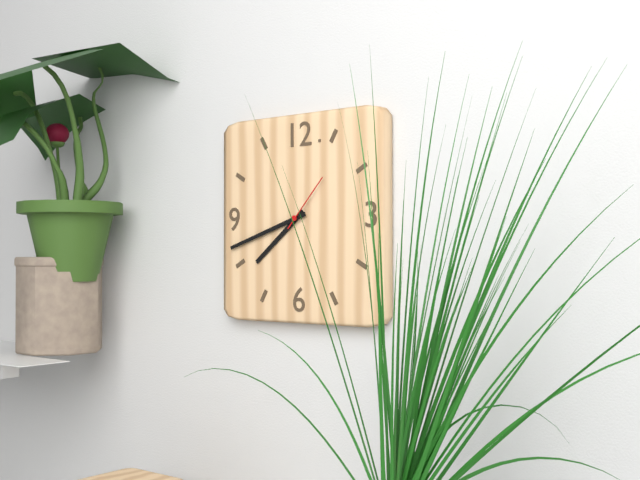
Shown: h=7 m=42 s=7
